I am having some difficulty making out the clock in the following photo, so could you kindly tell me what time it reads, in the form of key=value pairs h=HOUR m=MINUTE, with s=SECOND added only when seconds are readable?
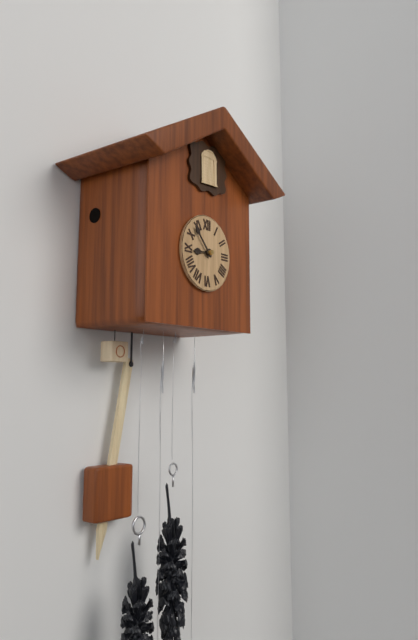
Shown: h=8 m=53
